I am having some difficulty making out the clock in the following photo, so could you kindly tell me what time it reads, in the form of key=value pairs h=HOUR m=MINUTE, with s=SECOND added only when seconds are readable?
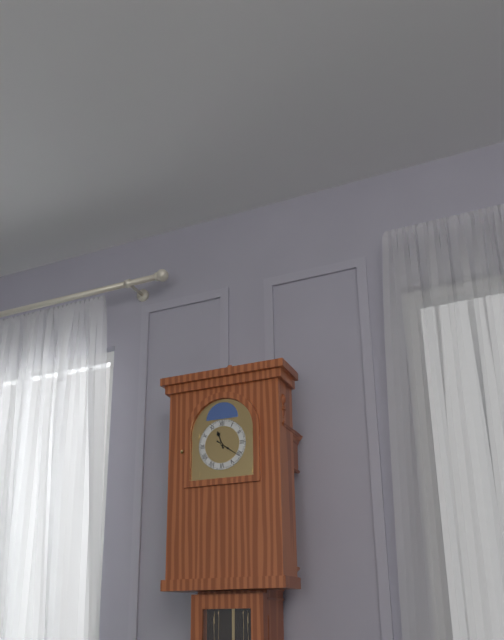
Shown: h=11 m=21
